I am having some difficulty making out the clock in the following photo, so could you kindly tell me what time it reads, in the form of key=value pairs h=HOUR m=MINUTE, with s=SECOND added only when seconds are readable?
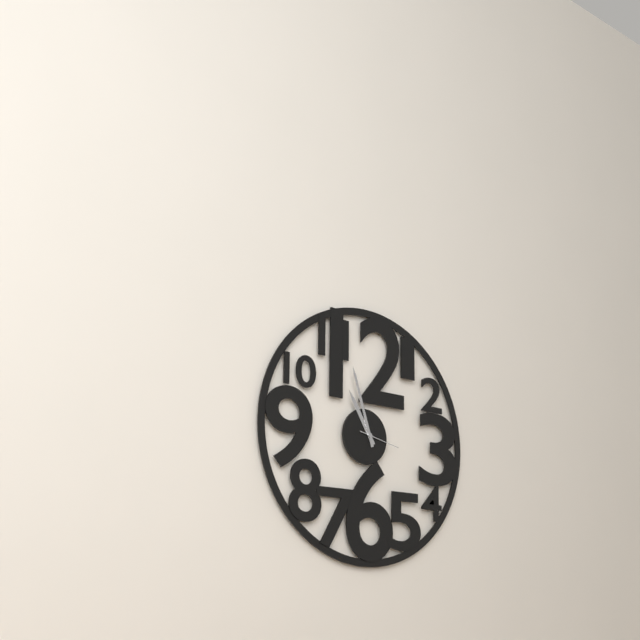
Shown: h=10 m=57
